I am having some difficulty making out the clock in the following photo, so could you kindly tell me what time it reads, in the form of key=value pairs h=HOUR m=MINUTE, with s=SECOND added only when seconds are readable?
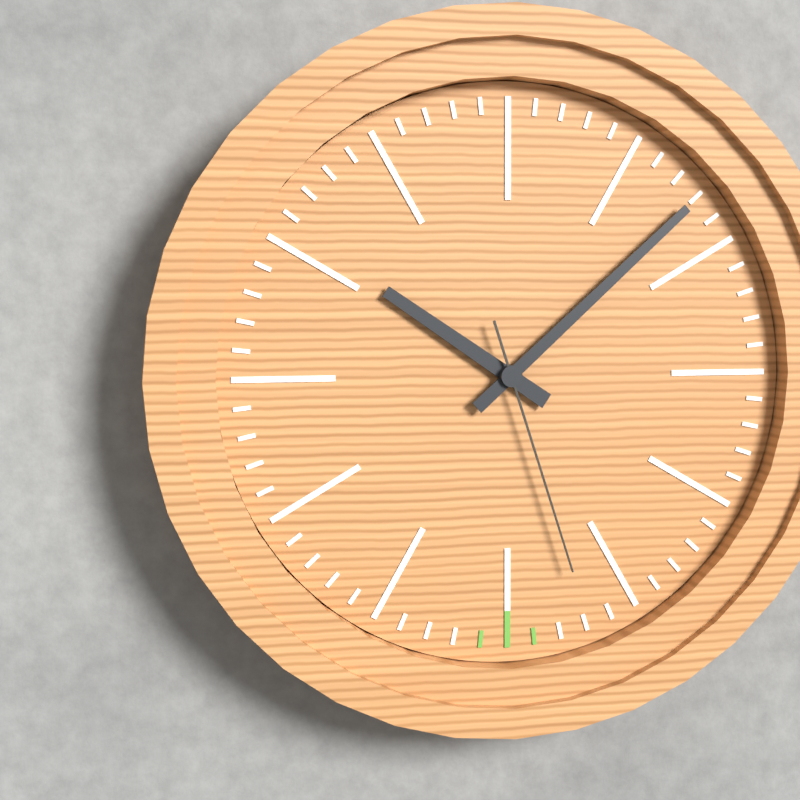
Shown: h=10 m=8 s=27
